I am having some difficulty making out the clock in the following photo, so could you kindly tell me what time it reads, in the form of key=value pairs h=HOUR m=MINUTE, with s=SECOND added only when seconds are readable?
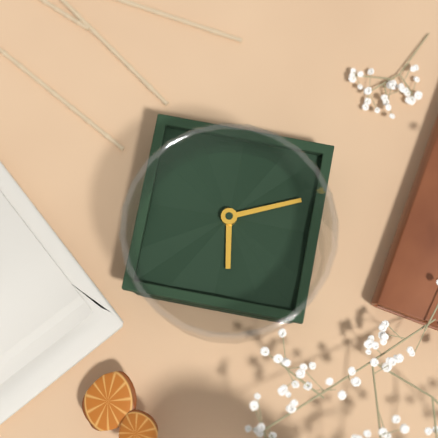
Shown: h=11 m=41
